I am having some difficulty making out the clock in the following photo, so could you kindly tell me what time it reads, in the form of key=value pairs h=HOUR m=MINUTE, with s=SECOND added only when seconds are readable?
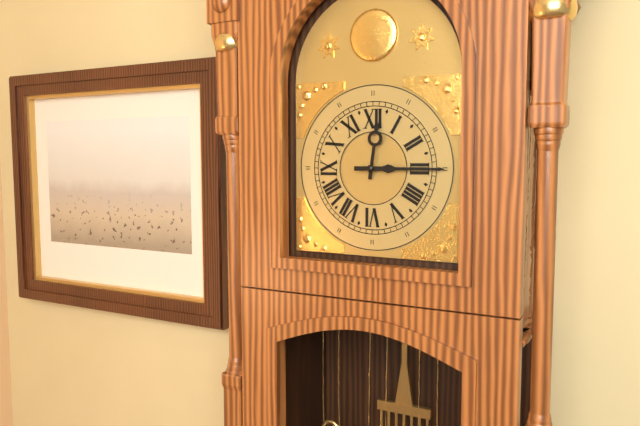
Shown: h=12 m=15
